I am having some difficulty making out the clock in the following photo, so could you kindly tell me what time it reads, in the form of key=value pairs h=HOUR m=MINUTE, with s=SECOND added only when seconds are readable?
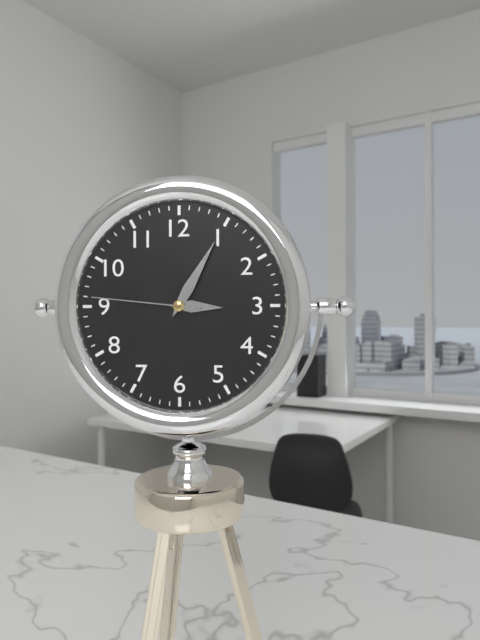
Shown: h=3 m=5 s=46
